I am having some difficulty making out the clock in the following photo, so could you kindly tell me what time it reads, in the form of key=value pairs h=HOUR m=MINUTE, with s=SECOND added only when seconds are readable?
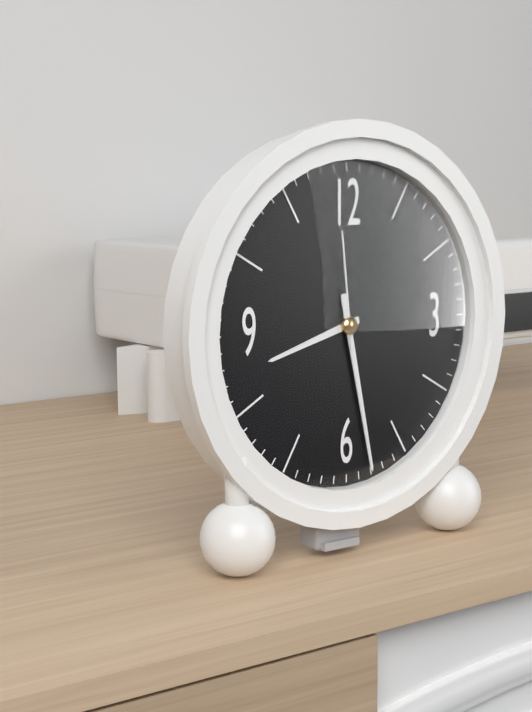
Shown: h=8 m=28 s=59
